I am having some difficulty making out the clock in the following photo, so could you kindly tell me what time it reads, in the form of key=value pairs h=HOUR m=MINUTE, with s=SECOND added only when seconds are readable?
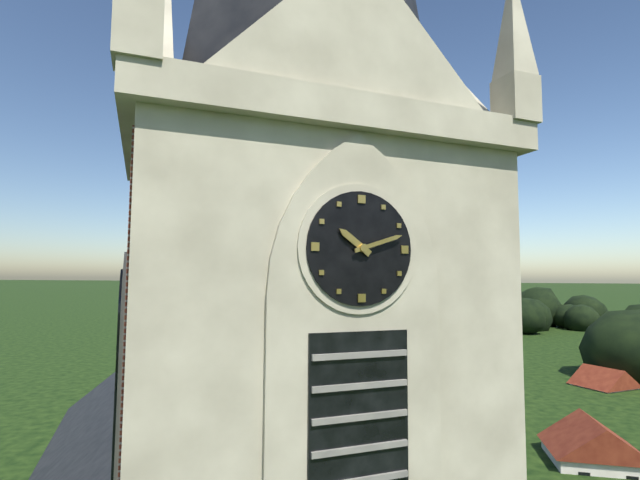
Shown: h=10 m=12
